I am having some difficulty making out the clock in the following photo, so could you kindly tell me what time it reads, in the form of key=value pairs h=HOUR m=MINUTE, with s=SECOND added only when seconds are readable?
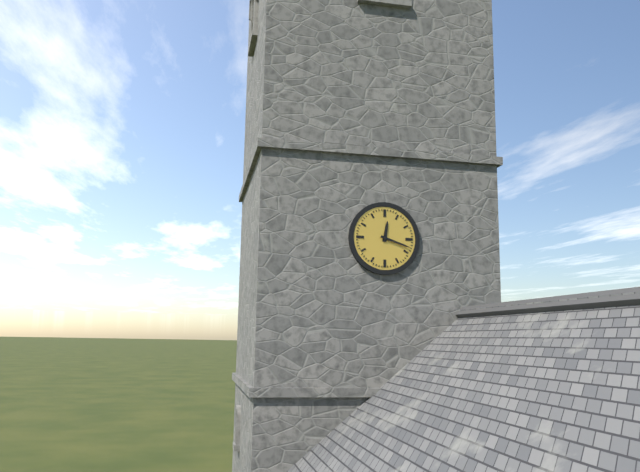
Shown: h=12 m=18
